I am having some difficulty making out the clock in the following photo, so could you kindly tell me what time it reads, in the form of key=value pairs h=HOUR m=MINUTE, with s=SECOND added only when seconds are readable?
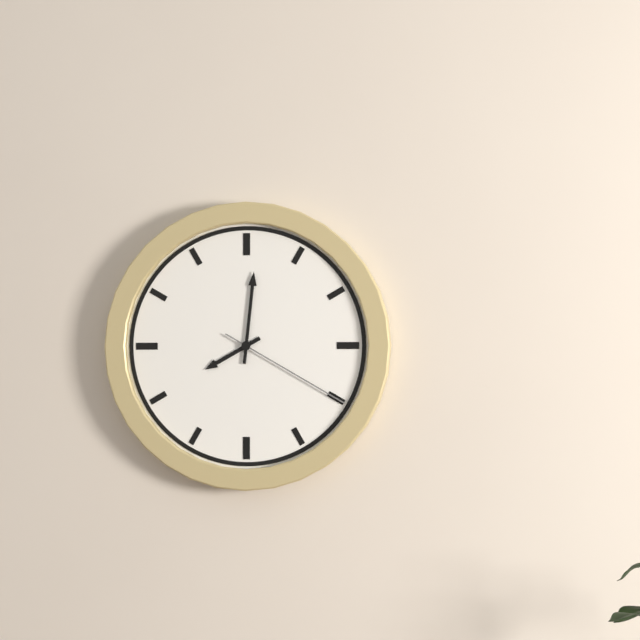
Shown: h=8 m=1 s=20
